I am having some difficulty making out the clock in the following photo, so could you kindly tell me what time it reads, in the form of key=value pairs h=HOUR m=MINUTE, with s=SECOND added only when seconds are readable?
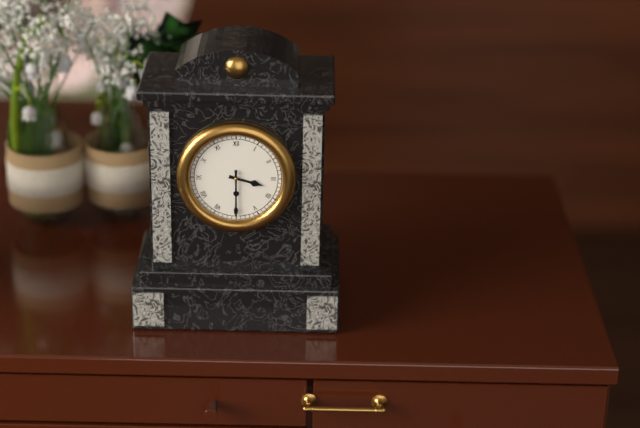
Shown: h=3 m=30
